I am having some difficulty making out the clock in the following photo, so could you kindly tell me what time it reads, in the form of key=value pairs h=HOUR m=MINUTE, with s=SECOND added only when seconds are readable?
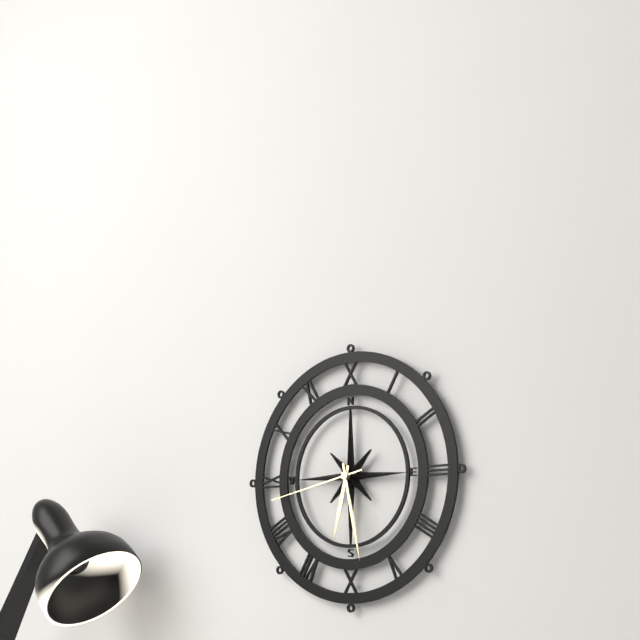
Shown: h=6 m=28 s=43
